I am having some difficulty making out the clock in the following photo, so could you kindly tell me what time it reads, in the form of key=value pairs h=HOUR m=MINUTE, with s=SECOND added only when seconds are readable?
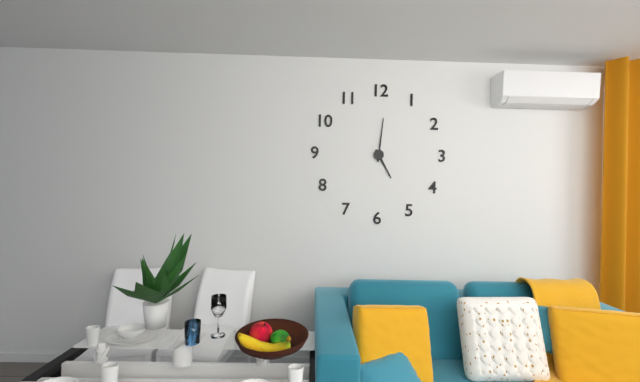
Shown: h=5 m=1
